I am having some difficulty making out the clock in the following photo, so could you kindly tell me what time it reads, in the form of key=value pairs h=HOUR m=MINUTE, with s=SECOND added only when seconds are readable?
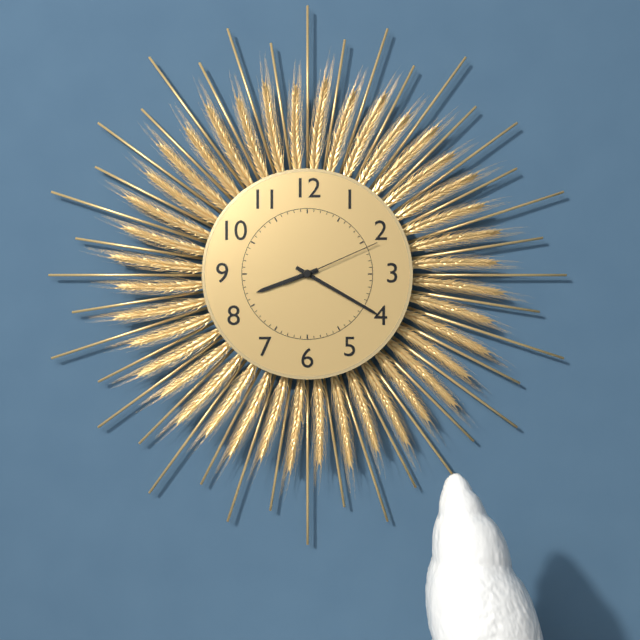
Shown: h=8 m=20 s=11
